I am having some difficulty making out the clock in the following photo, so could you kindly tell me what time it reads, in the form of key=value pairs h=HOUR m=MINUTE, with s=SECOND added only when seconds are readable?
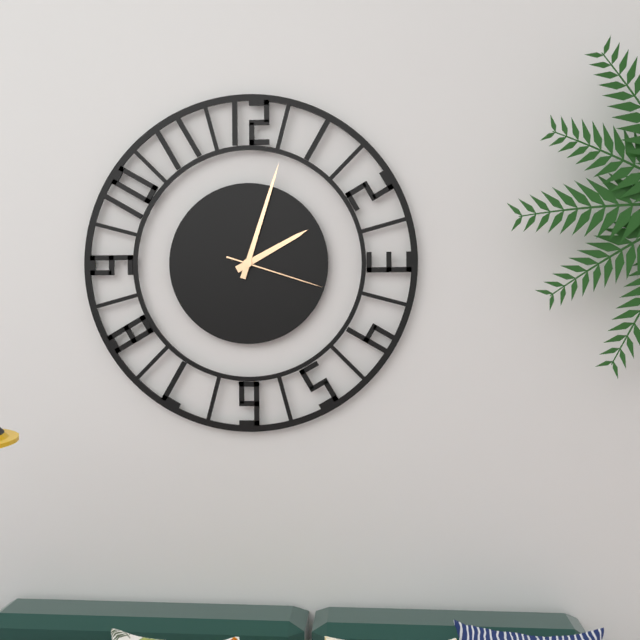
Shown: h=2 m=3 s=18
